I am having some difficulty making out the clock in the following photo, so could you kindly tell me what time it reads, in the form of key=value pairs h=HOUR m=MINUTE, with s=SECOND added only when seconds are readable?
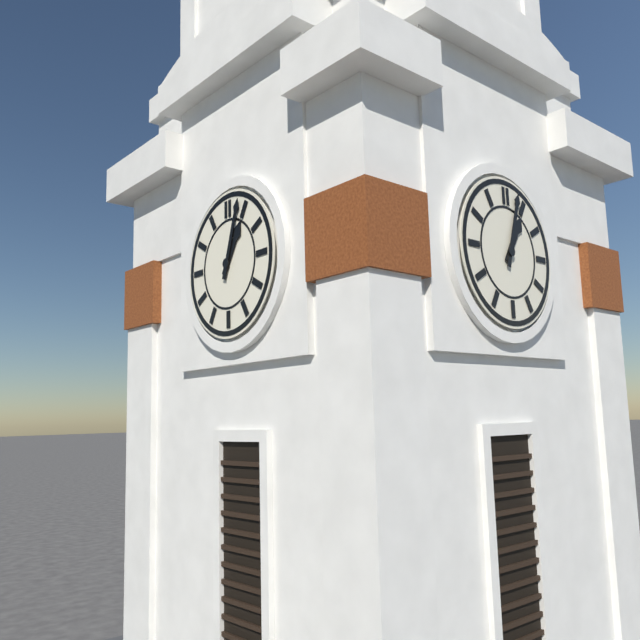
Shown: h=1 m=3
